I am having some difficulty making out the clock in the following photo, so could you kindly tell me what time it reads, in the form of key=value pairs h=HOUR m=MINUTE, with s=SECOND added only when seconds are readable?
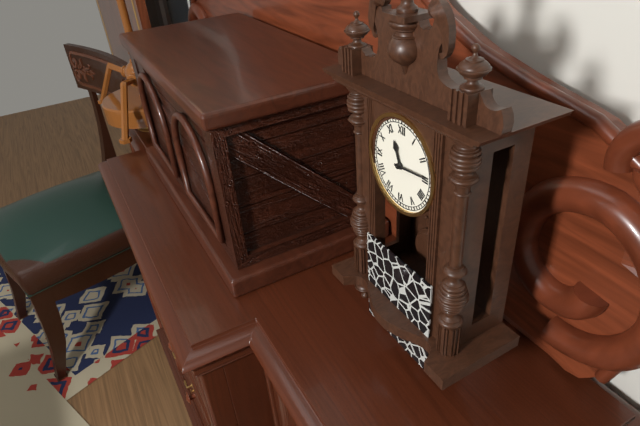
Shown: h=11 m=14
